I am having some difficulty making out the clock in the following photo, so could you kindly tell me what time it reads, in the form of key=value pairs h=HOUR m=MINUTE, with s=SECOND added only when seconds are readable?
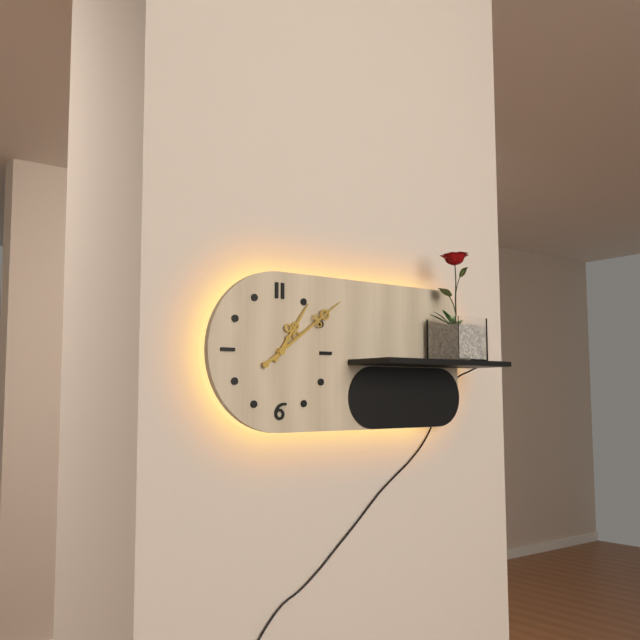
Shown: h=1 m=9
